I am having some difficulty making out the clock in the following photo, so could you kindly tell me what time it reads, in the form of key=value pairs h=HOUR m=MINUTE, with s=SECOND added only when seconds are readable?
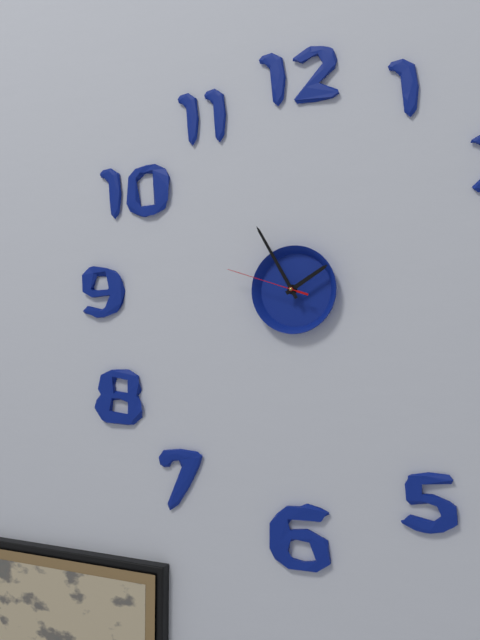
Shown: h=1 m=55 s=48
